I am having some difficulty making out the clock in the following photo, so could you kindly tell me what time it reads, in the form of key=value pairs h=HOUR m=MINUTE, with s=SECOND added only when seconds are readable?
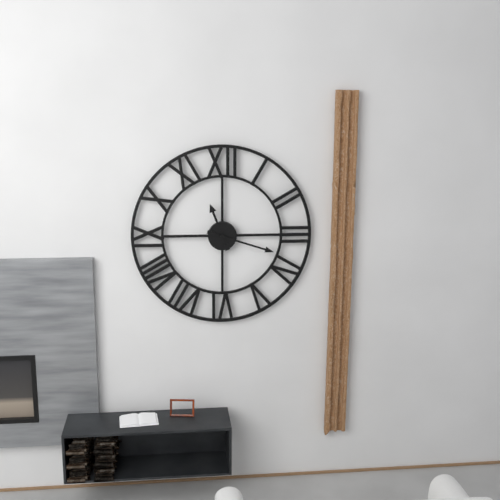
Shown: h=11 m=18
